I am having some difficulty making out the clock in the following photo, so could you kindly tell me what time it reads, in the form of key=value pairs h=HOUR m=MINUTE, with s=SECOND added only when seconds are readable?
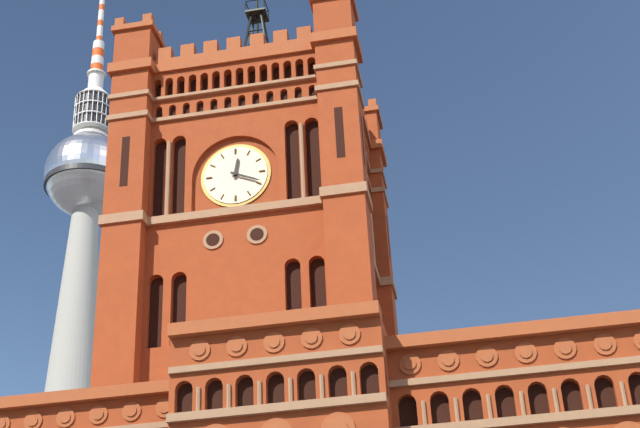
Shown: h=12 m=19
